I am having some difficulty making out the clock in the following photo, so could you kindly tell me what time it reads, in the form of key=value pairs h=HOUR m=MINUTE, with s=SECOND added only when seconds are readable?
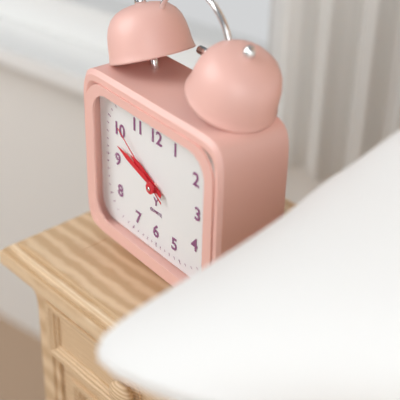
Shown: h=9 m=48 s=51
